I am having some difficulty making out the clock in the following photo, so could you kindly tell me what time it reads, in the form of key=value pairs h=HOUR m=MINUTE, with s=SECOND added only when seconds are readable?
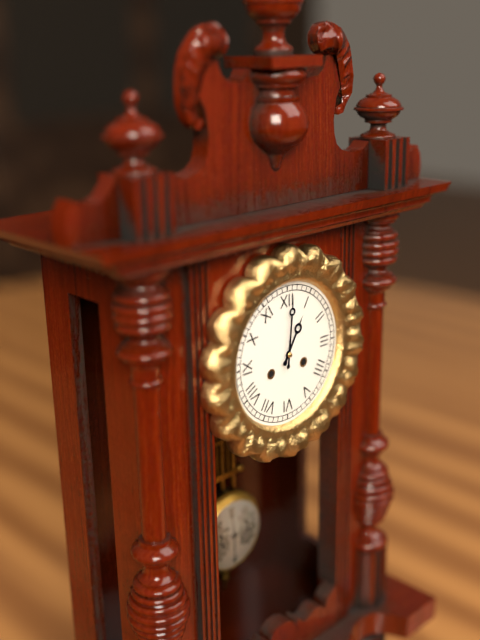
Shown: h=1 m=1
